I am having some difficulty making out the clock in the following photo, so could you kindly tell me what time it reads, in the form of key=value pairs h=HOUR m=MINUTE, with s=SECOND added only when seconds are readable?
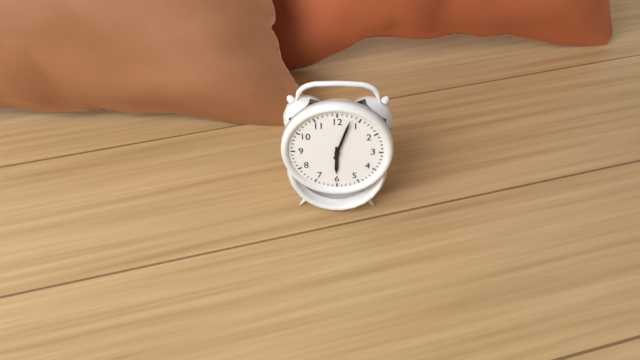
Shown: h=6 m=3
